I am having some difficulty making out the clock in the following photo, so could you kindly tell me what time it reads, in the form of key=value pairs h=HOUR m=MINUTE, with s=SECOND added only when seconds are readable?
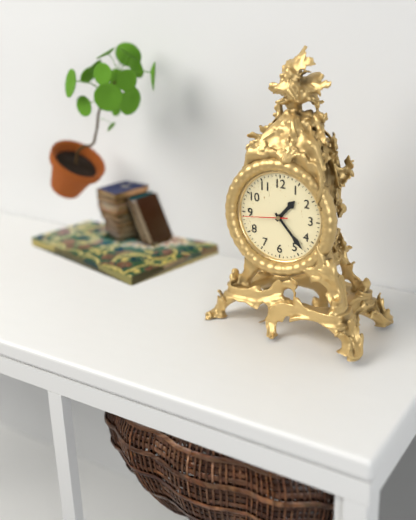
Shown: h=1 m=23
